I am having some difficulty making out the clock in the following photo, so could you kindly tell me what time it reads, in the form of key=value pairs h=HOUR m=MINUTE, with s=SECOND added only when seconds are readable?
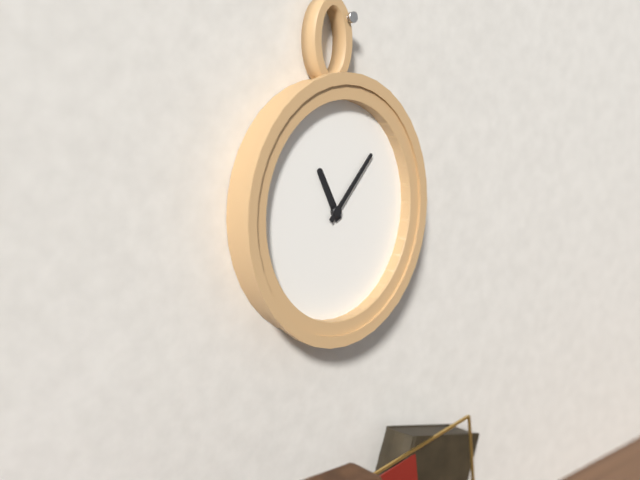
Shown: h=11 m=7
